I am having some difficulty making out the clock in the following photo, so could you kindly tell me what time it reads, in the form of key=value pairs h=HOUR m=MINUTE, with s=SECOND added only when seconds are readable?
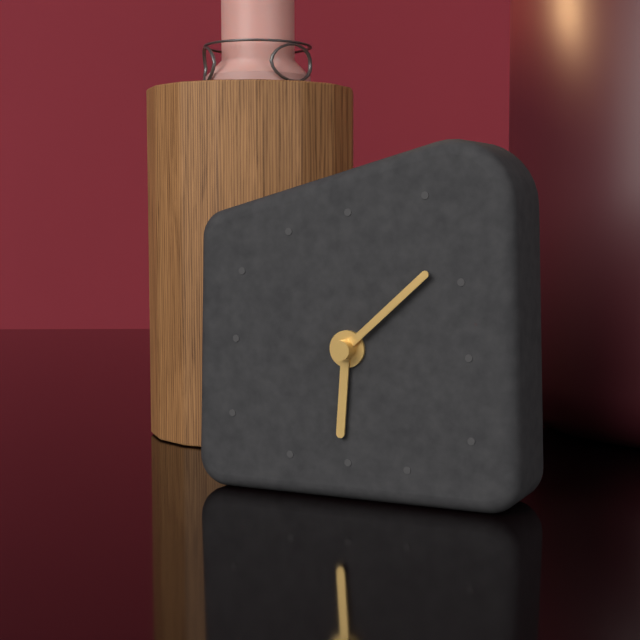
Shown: h=6 m=8
